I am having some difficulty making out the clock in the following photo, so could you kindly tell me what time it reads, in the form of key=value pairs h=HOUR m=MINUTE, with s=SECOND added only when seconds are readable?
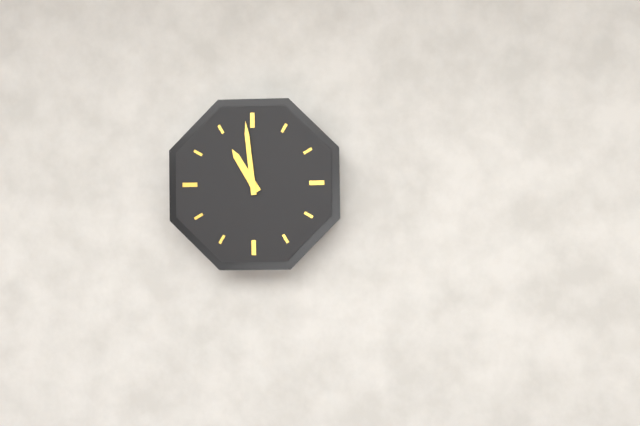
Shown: h=10 m=59
